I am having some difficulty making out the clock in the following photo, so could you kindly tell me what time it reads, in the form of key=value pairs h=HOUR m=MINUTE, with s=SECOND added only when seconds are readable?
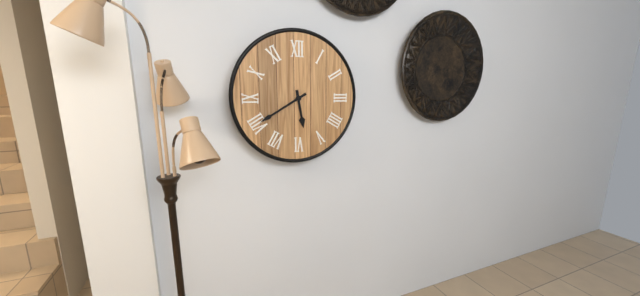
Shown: h=5 m=40
